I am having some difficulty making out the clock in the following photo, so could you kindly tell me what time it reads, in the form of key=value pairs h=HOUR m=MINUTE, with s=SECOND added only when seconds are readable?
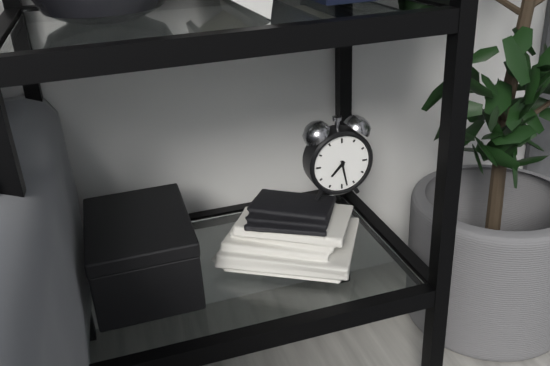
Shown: h=7 m=28
